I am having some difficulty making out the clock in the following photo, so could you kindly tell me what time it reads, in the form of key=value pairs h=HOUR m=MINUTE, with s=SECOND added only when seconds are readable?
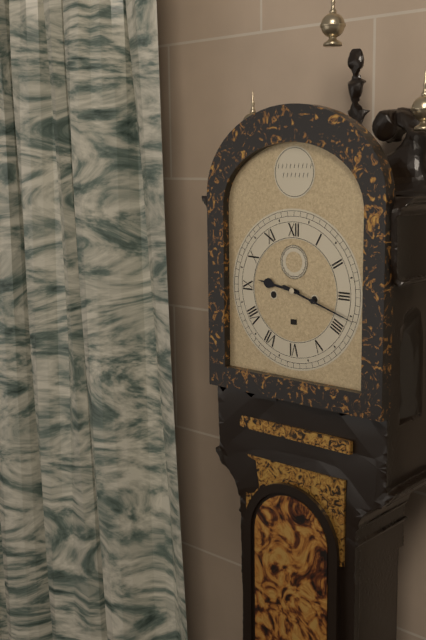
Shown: h=9 m=18
